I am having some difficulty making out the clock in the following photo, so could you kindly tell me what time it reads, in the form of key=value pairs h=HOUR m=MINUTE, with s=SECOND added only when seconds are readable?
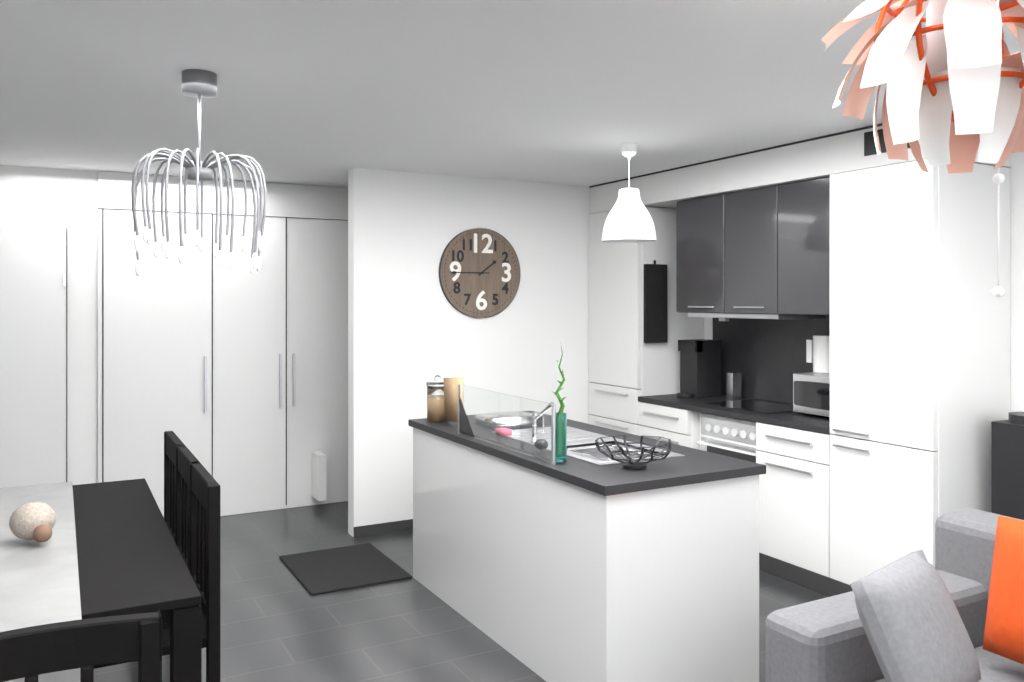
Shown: h=1 m=45
